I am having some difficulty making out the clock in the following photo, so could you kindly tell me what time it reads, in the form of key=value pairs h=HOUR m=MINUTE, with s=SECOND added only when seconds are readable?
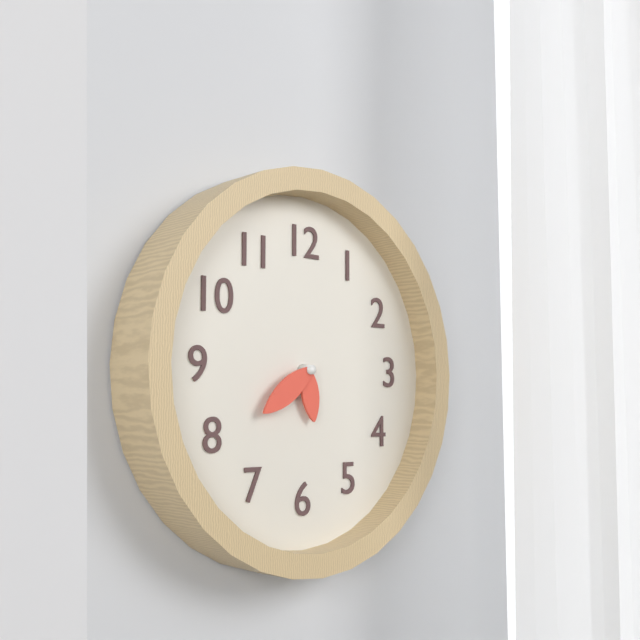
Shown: h=5 m=39
